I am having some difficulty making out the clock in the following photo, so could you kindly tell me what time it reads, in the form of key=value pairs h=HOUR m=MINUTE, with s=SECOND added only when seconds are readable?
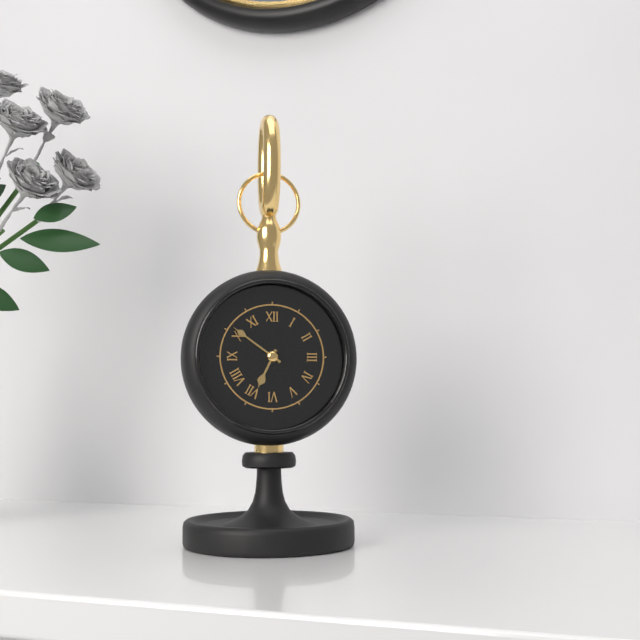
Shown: h=6 m=51
